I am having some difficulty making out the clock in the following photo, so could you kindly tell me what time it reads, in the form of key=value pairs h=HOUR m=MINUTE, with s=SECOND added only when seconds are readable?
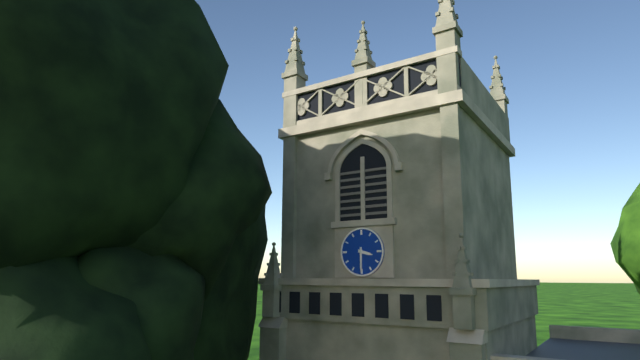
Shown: h=3 m=30
